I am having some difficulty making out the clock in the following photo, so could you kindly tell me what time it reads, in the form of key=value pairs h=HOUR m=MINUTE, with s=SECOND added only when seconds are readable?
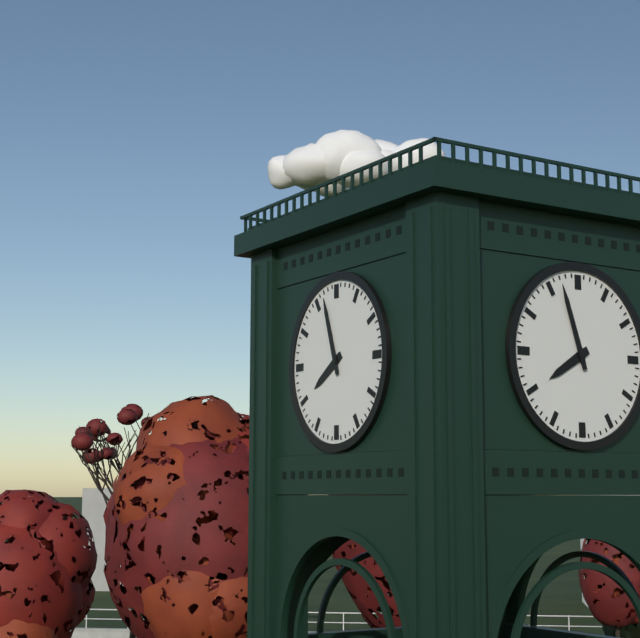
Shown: h=7 m=57
